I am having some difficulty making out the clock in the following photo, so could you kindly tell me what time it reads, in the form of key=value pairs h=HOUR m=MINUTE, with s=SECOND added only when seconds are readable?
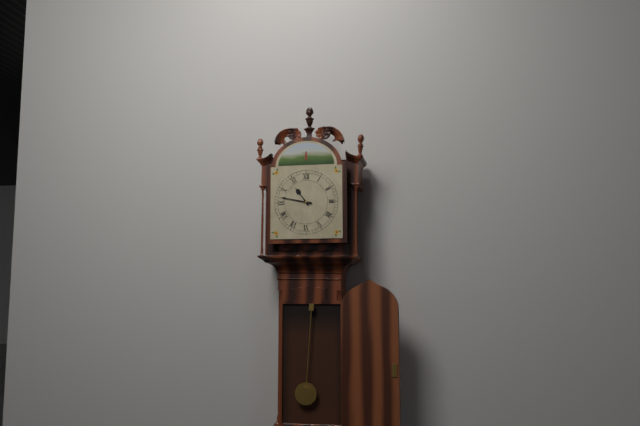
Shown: h=10 m=47
